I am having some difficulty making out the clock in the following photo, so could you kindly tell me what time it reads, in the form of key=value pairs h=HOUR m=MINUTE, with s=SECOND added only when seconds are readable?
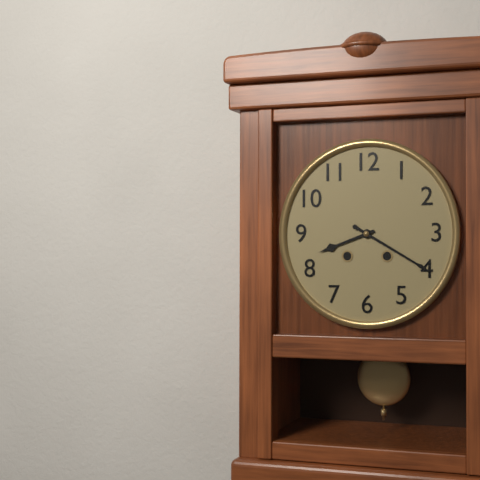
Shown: h=8 m=20
